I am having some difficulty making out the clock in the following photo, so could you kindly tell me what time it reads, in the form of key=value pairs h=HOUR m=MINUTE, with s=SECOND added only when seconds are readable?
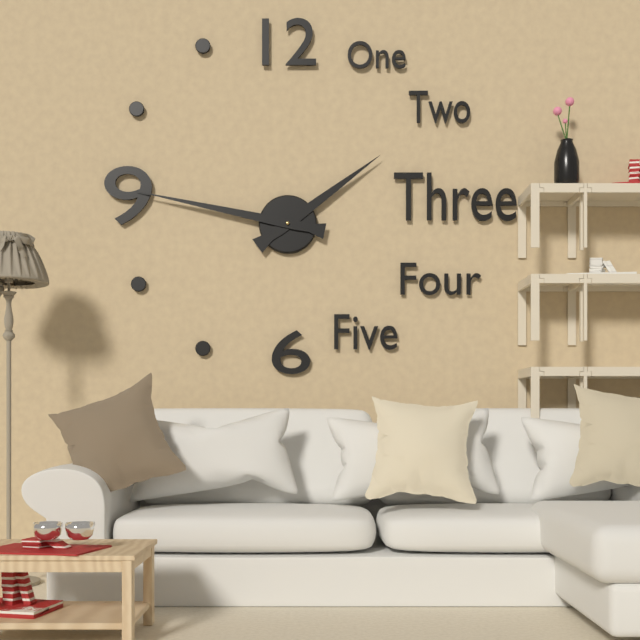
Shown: h=1 m=47
